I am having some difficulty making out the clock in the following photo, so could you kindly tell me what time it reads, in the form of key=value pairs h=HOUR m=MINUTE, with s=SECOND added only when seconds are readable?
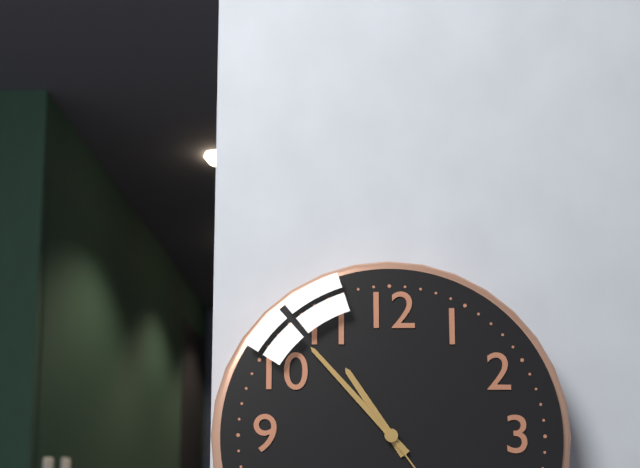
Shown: h=10 m=53
